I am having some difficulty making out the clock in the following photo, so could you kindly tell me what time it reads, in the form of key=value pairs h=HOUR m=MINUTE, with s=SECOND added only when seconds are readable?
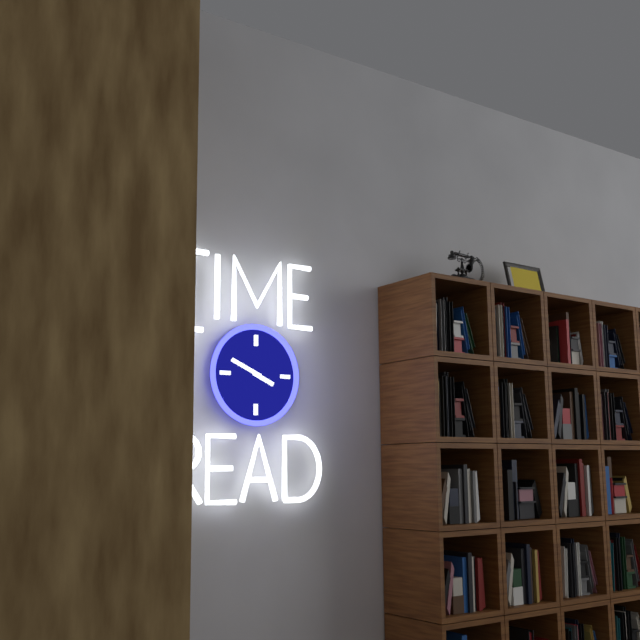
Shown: h=3 m=49
